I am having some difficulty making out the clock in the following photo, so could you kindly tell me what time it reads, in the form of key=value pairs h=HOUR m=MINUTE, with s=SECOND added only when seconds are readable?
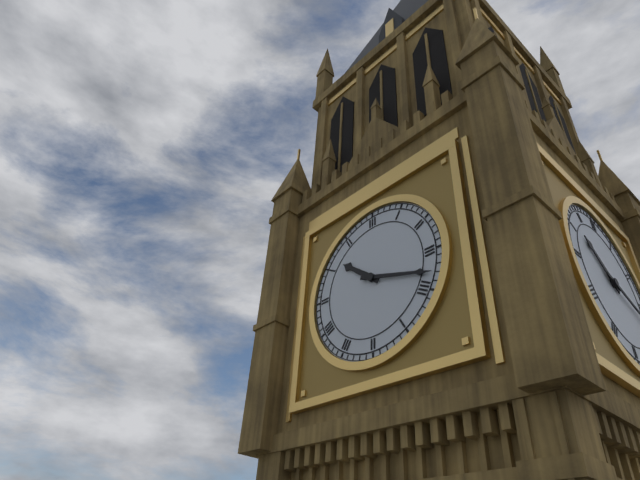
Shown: h=10 m=18
